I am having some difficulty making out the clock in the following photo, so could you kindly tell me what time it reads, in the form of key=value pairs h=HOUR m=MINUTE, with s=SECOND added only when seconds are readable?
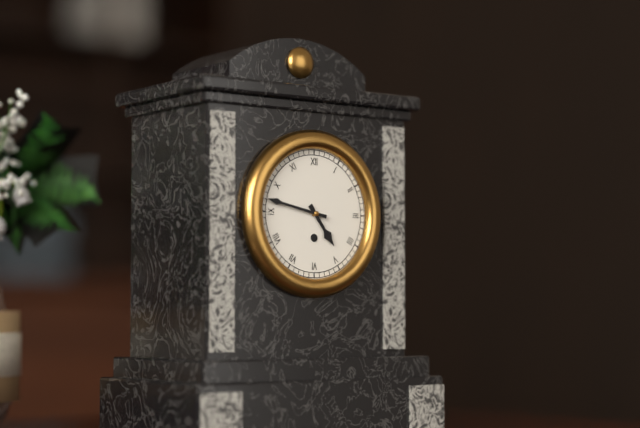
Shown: h=4 m=47
